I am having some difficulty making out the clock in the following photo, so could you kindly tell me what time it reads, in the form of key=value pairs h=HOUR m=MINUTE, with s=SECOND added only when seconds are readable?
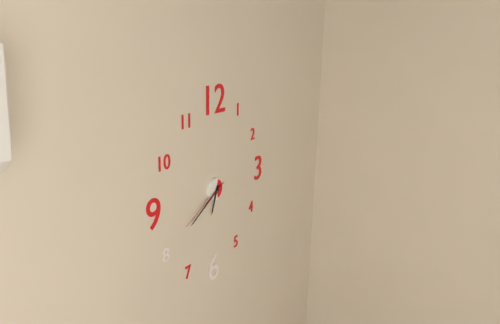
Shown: h=6 m=40 s=41
